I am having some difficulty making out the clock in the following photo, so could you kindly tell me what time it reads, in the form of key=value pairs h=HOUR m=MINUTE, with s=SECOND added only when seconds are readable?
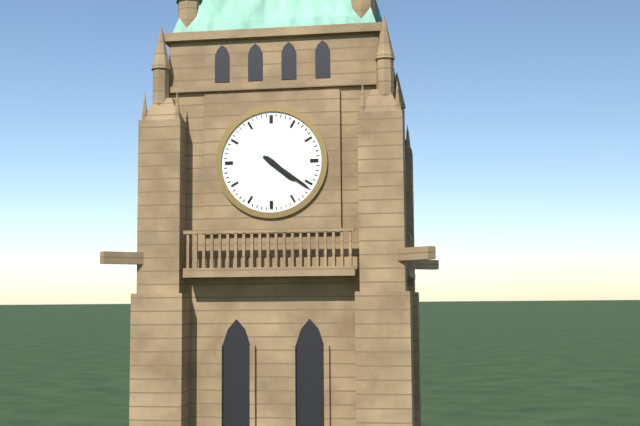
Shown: h=4 m=21
